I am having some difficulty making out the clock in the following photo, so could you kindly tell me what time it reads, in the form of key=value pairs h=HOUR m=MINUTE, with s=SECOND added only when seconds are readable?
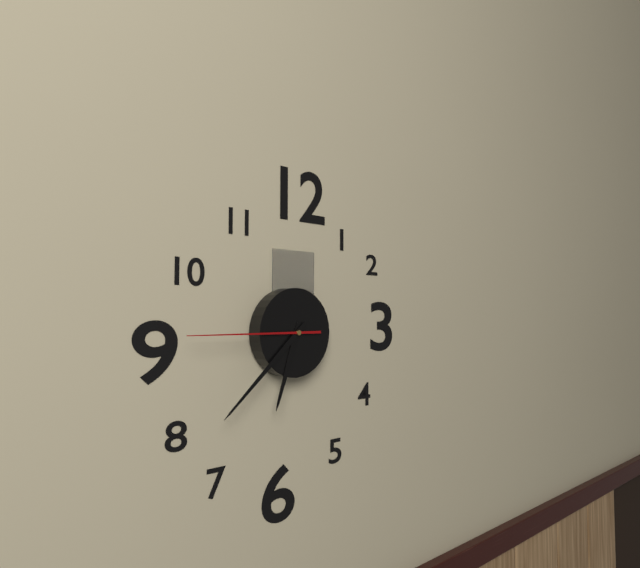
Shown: h=6 m=38 s=45
